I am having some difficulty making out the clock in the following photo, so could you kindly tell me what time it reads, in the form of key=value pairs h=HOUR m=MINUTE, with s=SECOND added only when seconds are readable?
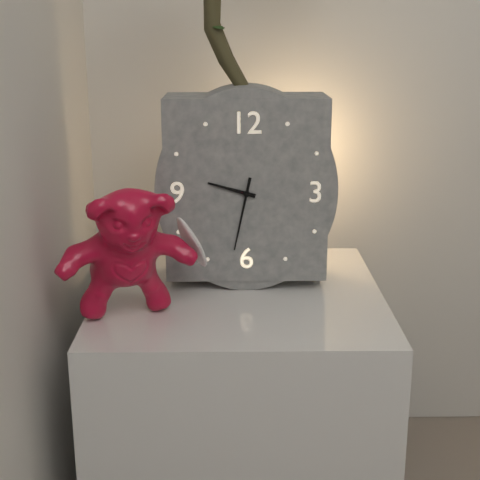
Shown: h=9 m=32
